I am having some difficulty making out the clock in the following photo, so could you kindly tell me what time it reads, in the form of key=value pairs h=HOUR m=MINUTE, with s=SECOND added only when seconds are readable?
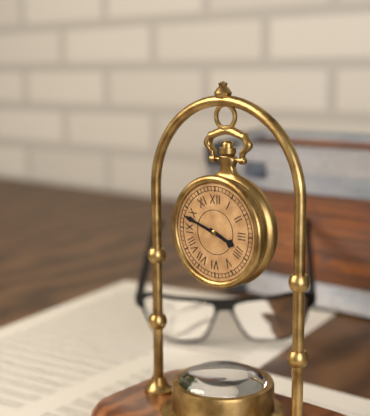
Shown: h=3 m=48
